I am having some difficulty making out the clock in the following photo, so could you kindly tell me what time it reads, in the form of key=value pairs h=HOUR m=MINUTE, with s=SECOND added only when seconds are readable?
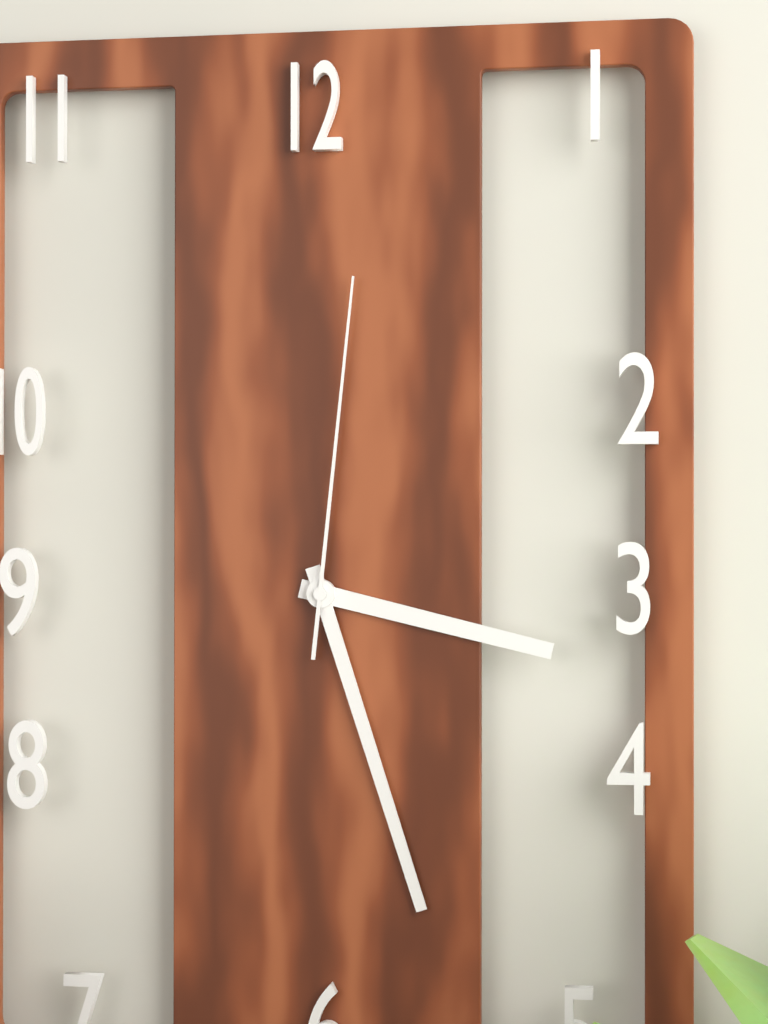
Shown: h=3 m=27 s=1
